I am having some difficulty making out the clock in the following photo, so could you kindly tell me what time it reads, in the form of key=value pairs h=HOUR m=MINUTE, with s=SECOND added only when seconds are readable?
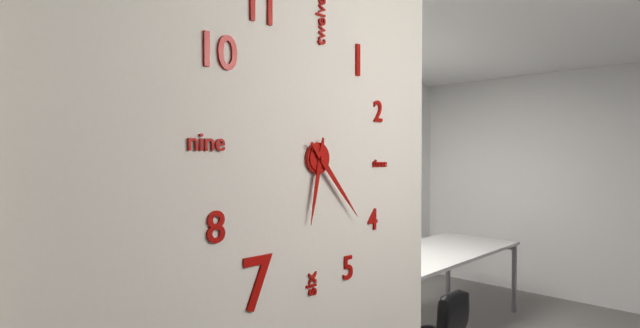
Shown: h=6 m=23
